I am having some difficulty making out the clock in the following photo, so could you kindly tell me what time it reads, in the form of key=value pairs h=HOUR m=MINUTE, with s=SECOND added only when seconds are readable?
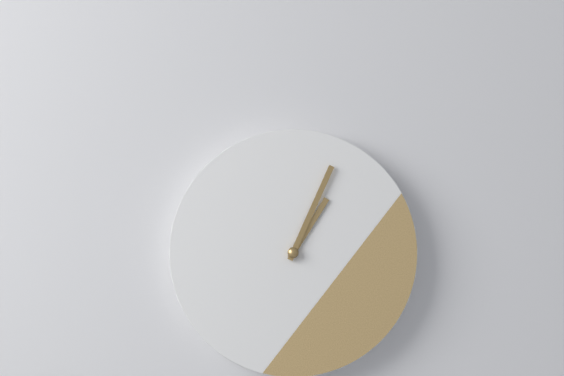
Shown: h=1 m=4
